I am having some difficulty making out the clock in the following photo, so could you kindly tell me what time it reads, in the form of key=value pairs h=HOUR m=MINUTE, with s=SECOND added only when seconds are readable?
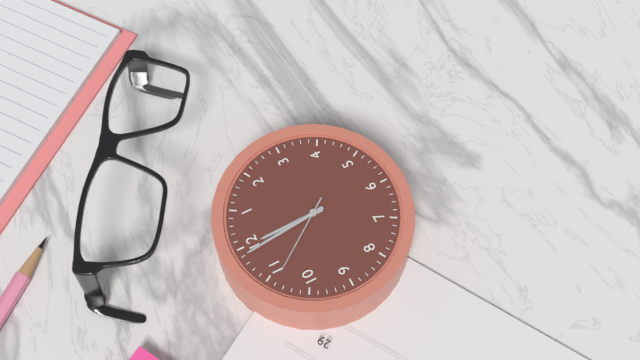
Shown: h=11 m=59 s=54
